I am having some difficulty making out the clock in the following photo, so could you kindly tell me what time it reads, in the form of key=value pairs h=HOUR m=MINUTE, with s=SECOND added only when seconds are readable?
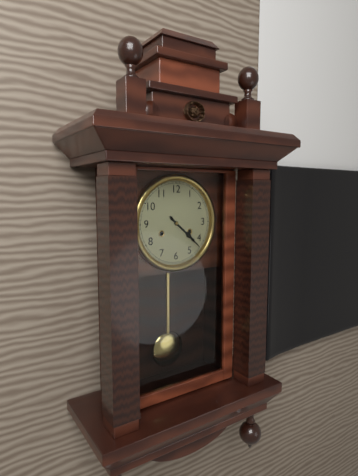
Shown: h=4 m=22
